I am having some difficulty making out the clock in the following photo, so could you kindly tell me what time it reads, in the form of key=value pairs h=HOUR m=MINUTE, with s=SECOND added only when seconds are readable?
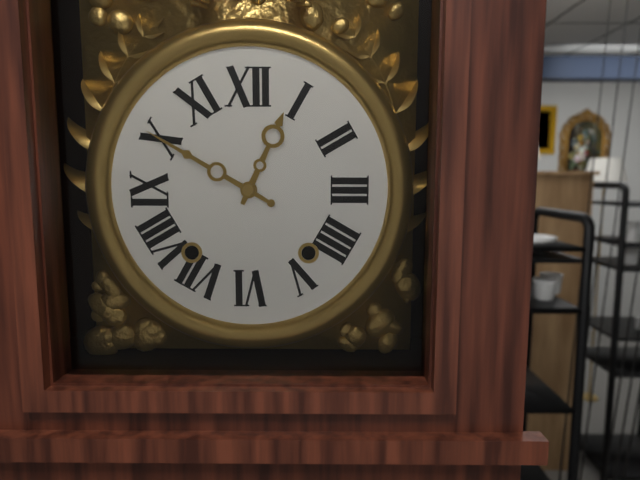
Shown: h=12 m=50
